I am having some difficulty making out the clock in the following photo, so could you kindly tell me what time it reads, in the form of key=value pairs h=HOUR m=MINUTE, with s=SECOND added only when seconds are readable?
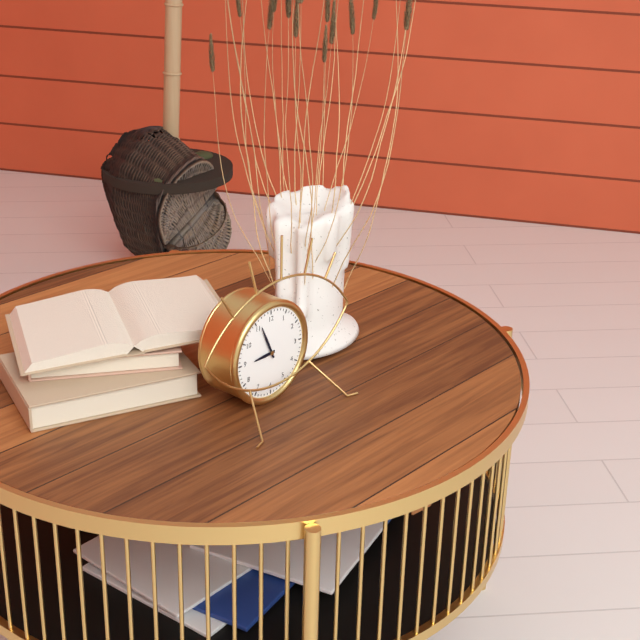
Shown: h=8 m=56
